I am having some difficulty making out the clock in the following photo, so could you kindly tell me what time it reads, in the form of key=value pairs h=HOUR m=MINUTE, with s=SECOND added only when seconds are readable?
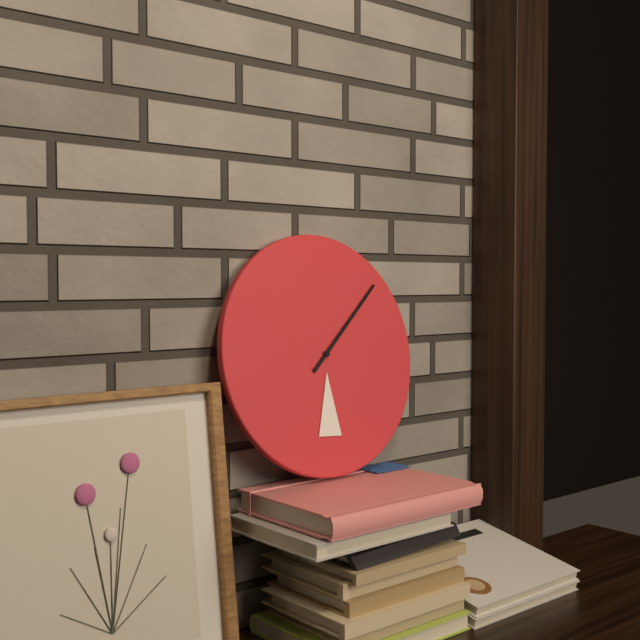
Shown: h=6 m=8
